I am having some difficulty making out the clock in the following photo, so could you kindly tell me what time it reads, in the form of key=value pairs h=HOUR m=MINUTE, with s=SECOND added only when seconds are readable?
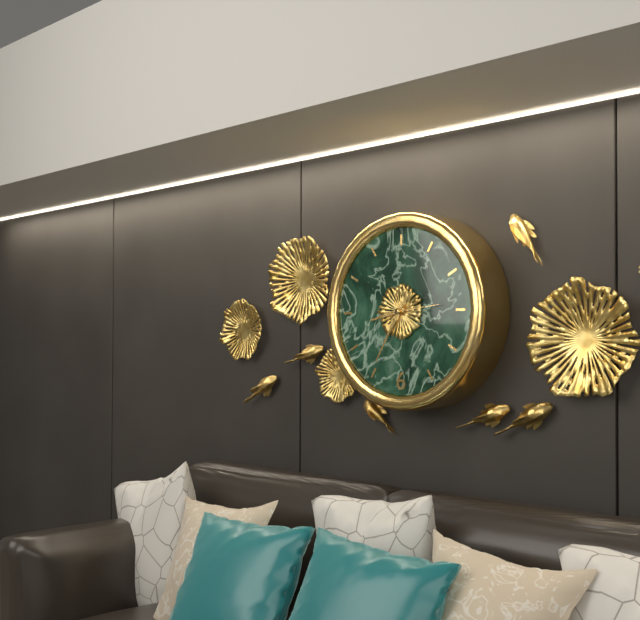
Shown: h=8 m=35 s=14
